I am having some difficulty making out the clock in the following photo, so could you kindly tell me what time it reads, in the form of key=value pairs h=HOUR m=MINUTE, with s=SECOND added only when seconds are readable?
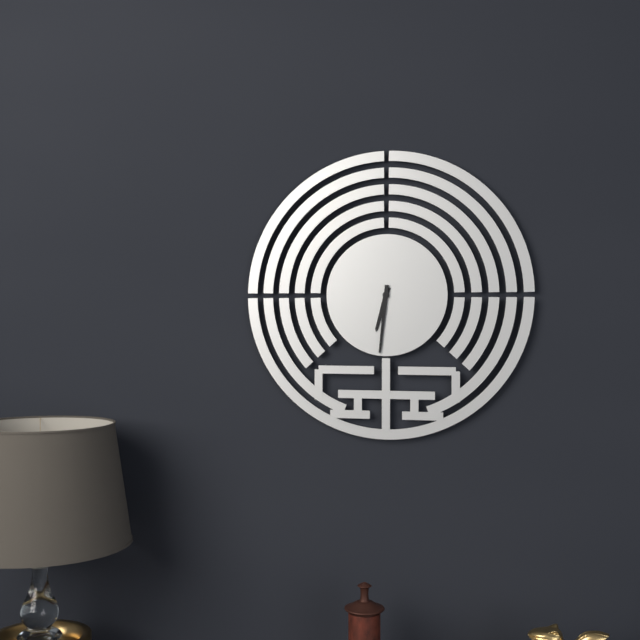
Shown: h=6 m=31
